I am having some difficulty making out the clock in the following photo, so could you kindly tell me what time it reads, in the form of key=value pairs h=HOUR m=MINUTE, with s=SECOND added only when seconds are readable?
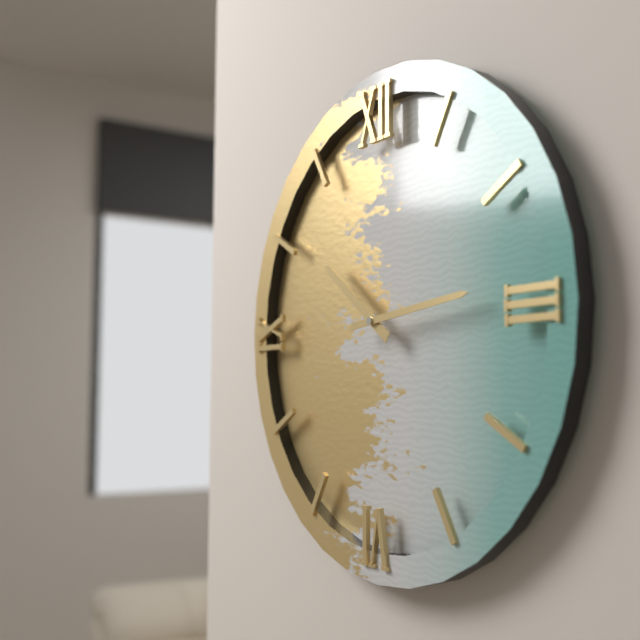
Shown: h=10 m=14
